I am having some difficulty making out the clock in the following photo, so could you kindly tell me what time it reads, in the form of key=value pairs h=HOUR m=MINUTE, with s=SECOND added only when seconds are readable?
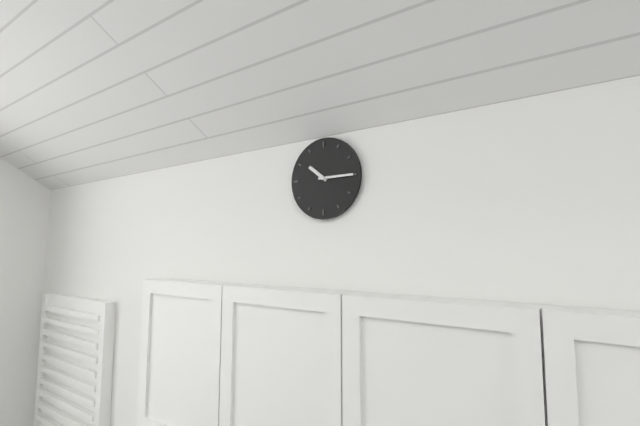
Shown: h=10 m=15
